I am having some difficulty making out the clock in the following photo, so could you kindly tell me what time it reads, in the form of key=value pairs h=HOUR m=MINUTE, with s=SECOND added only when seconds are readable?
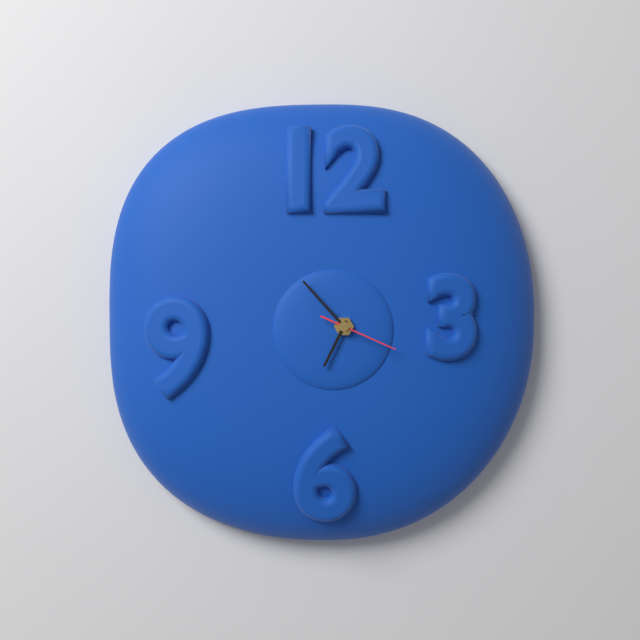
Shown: h=6 m=53 s=19
